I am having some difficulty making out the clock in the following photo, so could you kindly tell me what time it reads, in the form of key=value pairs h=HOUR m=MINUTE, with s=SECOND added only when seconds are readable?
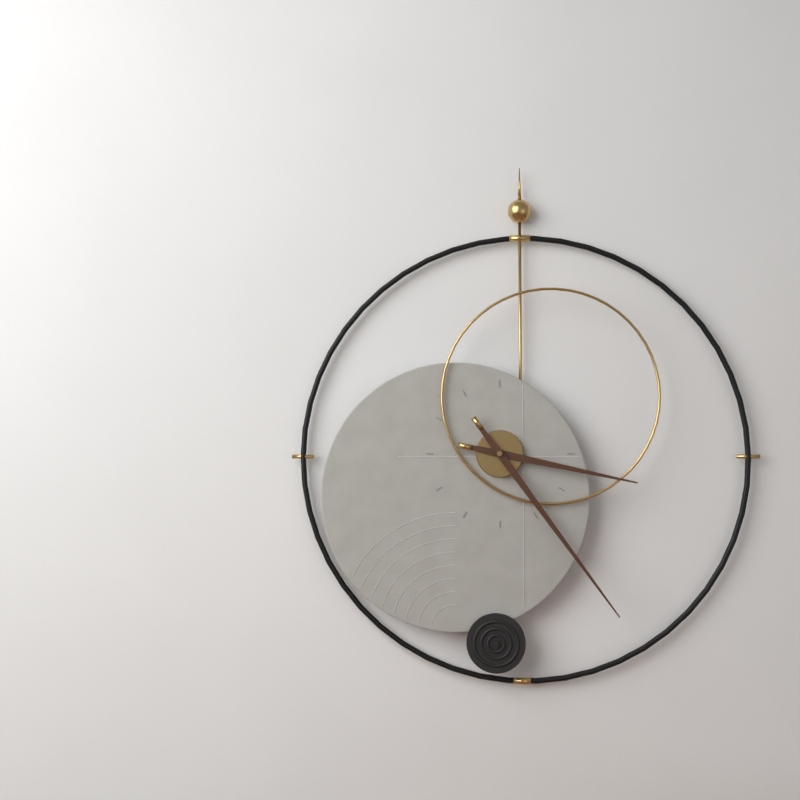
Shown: h=3 m=24
